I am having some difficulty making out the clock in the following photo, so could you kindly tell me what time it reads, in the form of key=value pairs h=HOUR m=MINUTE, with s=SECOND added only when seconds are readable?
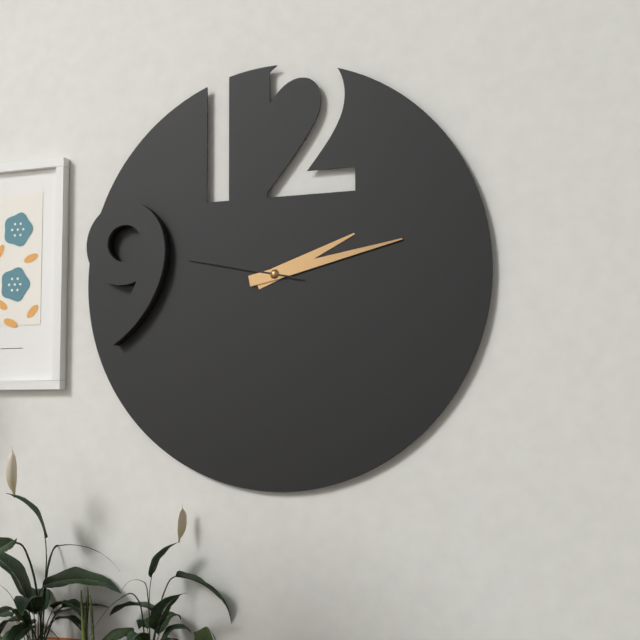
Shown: h=2 m=13 s=47
